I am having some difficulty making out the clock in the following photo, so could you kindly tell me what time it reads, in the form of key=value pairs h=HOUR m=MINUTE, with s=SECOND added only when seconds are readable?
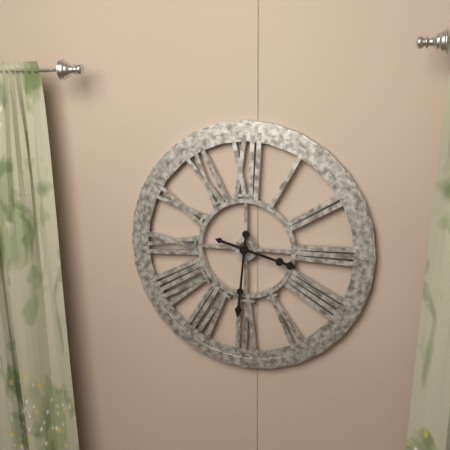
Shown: h=3 m=31
